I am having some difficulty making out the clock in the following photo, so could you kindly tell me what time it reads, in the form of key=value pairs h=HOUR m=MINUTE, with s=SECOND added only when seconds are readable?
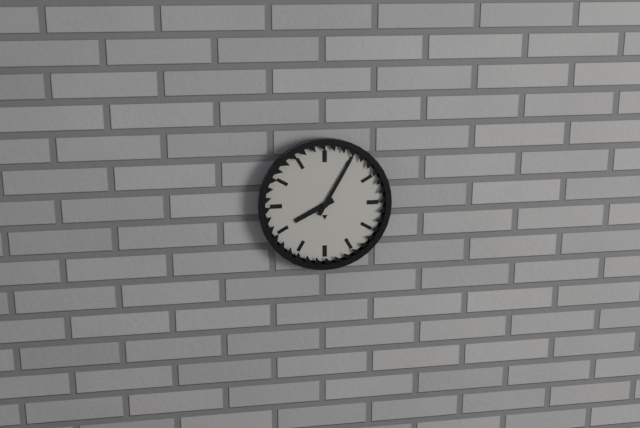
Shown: h=8 m=5
